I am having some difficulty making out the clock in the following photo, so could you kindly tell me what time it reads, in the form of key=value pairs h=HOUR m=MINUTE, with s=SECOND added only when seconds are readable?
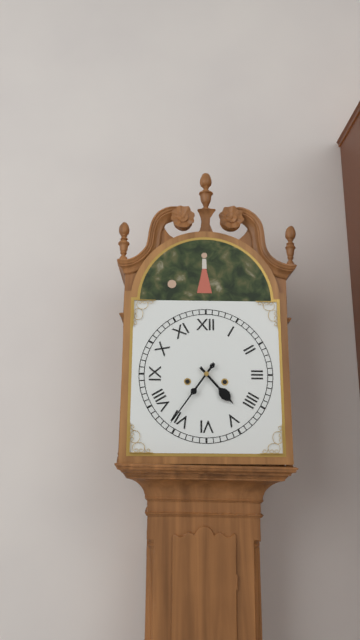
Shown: h=4 m=36
